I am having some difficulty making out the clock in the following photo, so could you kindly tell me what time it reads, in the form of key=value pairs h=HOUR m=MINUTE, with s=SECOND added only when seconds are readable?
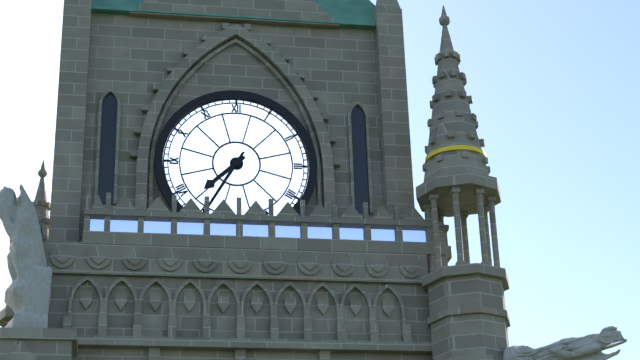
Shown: h=7 m=35
